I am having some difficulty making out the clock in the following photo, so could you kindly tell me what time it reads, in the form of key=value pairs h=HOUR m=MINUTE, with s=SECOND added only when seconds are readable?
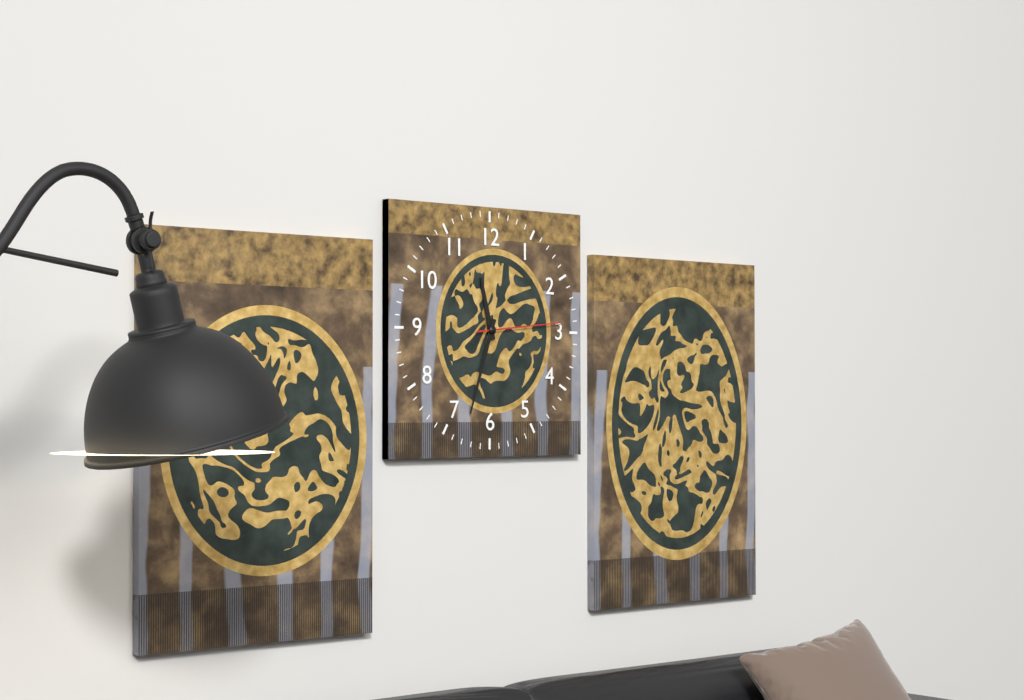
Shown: h=11 m=33 s=14
